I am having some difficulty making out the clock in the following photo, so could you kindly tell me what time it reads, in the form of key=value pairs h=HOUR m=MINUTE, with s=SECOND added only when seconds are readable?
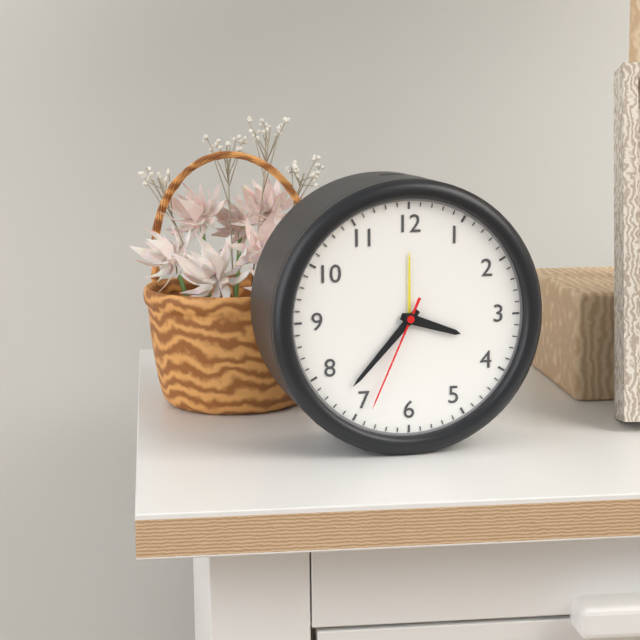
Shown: h=3 m=37 s=34
